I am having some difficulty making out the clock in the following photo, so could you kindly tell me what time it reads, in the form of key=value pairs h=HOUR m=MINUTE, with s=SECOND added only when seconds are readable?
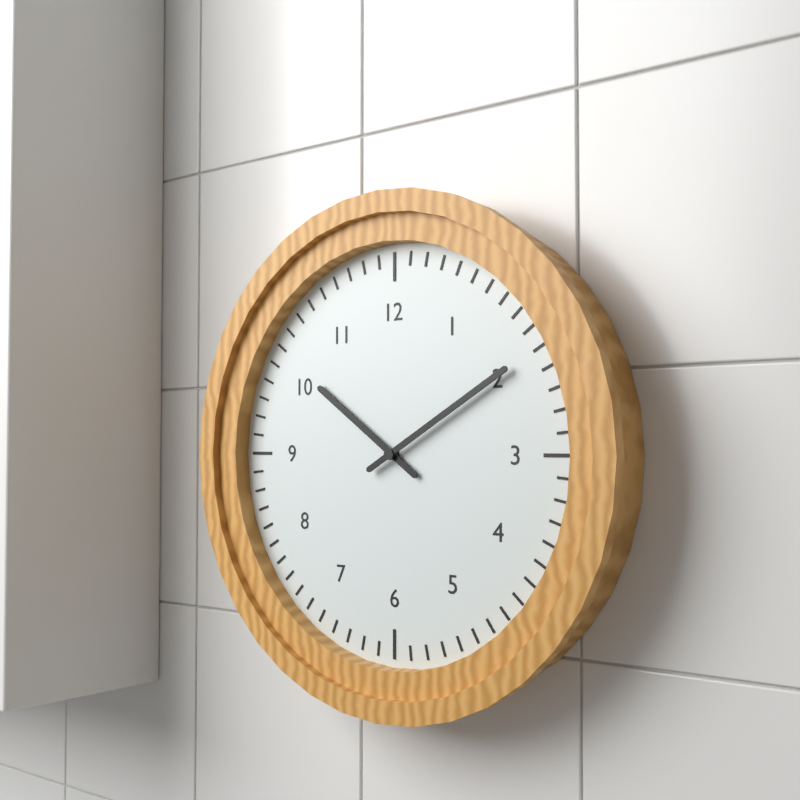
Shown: h=10 m=10
